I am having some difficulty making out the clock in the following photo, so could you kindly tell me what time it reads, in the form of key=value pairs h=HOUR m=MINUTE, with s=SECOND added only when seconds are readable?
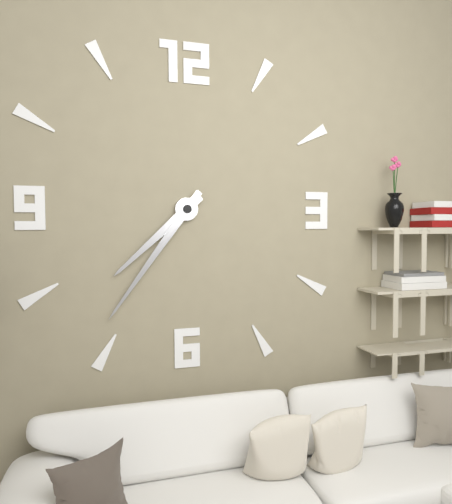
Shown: h=7 m=36
